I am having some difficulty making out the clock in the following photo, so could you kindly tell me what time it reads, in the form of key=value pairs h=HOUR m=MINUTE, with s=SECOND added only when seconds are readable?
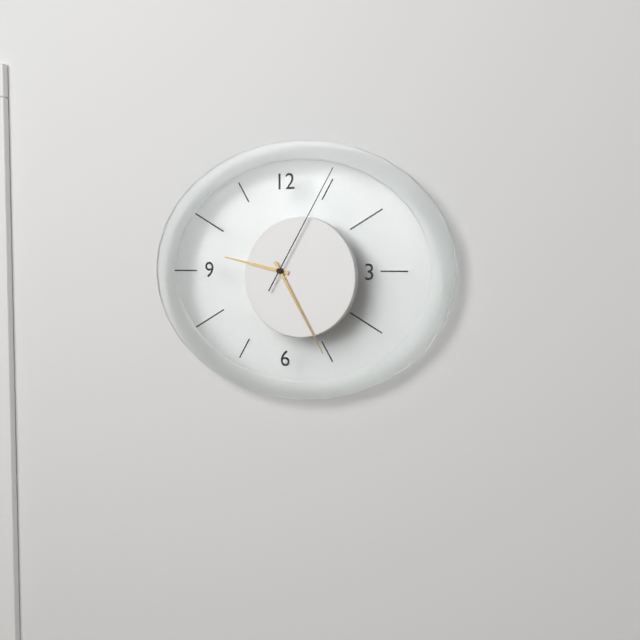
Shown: h=9 m=25 s=5
